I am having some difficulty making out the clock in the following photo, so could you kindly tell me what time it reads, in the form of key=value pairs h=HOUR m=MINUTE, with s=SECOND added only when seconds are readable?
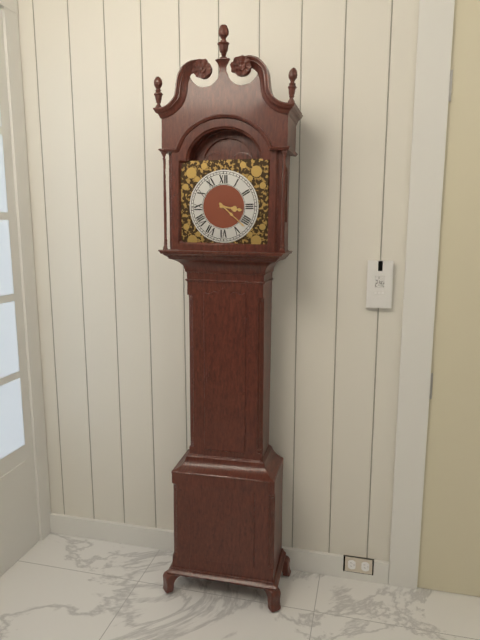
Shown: h=3 m=22
